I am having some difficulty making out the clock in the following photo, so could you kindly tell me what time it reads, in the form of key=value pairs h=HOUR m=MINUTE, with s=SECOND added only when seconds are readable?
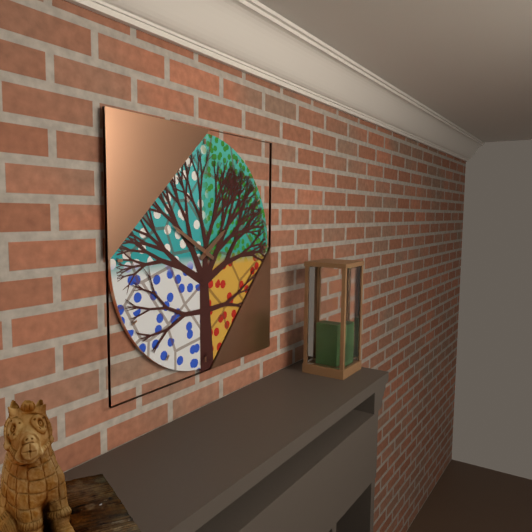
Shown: h=1 m=50
